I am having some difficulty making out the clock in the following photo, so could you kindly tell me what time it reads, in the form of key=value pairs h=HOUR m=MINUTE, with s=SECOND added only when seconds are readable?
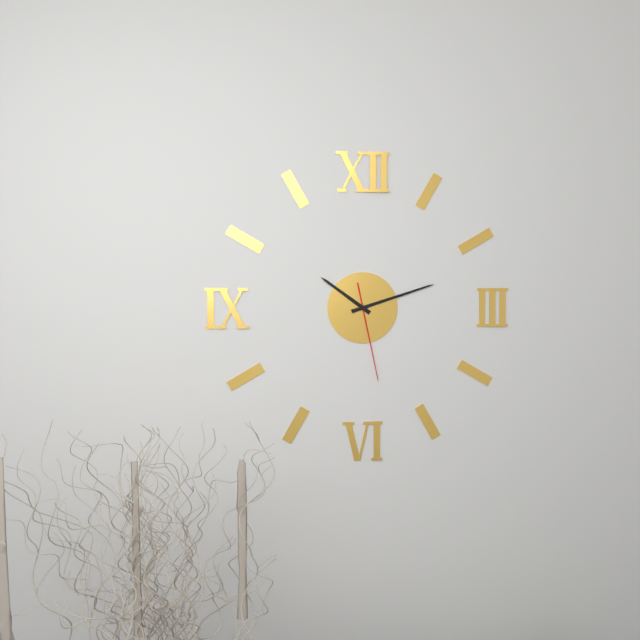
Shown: h=10 m=12 s=28
